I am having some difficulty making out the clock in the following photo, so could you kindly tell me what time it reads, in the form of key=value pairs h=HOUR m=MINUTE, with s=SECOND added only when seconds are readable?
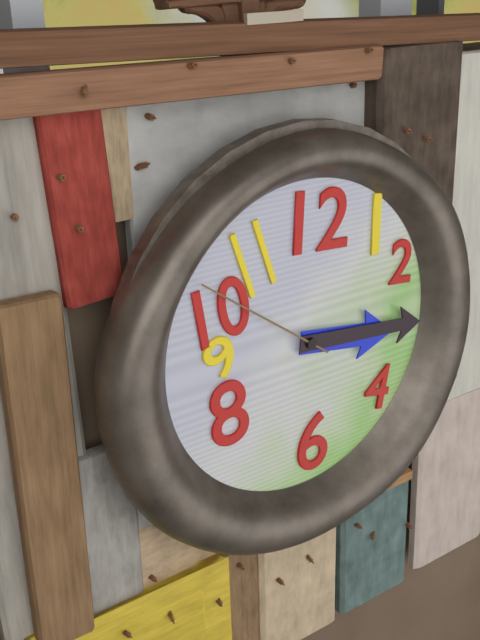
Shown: h=3 m=16 s=51
